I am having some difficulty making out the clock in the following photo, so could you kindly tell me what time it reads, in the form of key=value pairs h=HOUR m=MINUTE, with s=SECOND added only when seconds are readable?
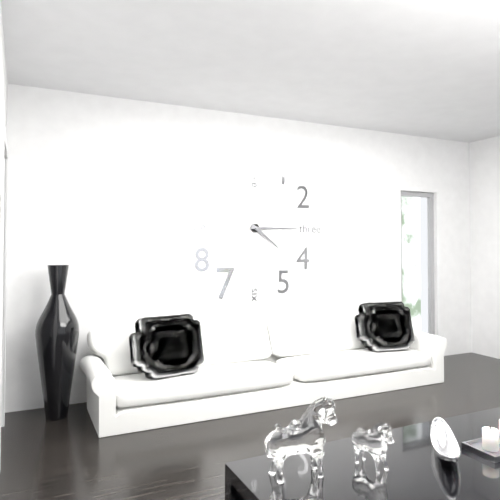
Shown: h=4 m=15
